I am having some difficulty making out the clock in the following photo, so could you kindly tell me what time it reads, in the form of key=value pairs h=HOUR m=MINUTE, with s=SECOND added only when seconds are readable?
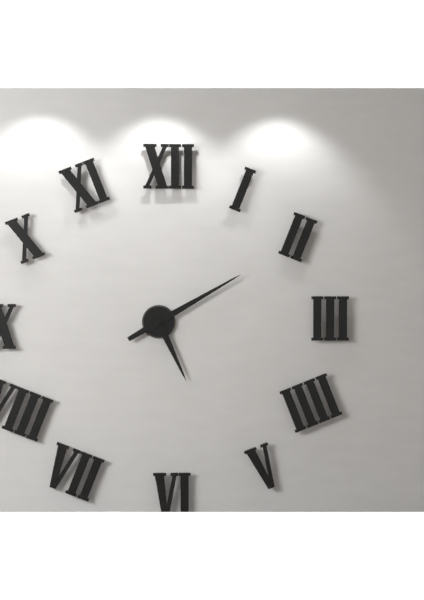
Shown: h=5 m=10
